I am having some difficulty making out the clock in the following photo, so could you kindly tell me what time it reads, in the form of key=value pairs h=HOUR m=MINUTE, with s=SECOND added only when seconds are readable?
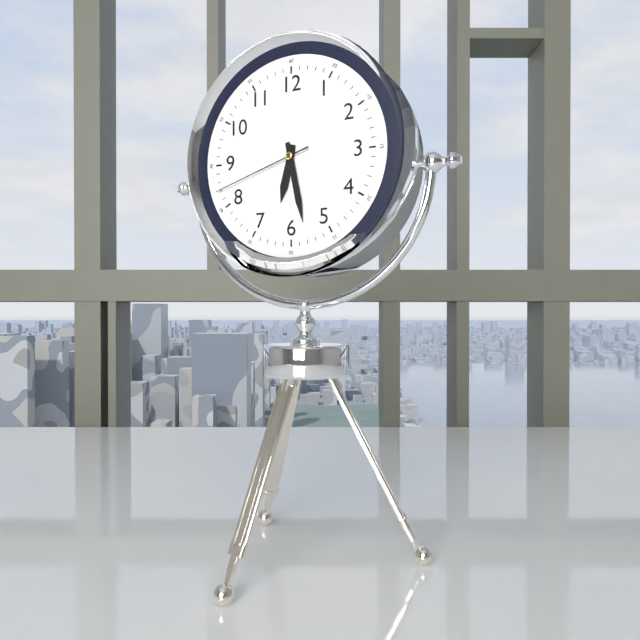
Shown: h=6 m=28 s=42
